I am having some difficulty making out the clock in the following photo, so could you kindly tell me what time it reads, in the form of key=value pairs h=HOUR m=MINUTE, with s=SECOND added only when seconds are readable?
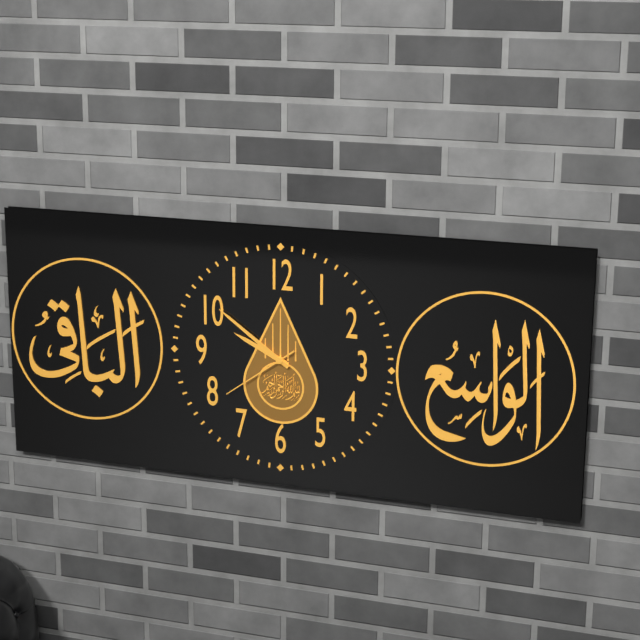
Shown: h=9 m=51 s=39
